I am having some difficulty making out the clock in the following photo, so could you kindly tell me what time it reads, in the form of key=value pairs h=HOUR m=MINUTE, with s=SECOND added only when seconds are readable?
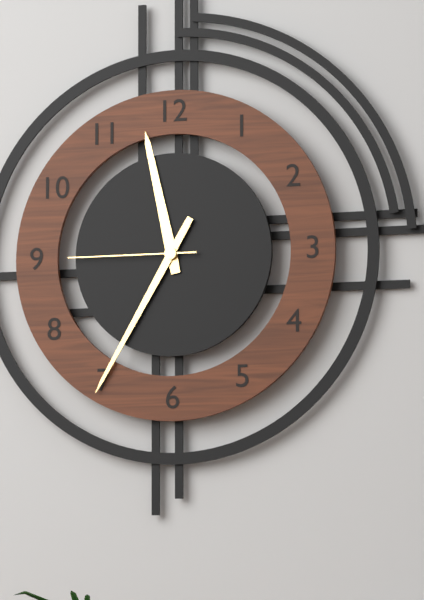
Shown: h=11 m=35 s=45
